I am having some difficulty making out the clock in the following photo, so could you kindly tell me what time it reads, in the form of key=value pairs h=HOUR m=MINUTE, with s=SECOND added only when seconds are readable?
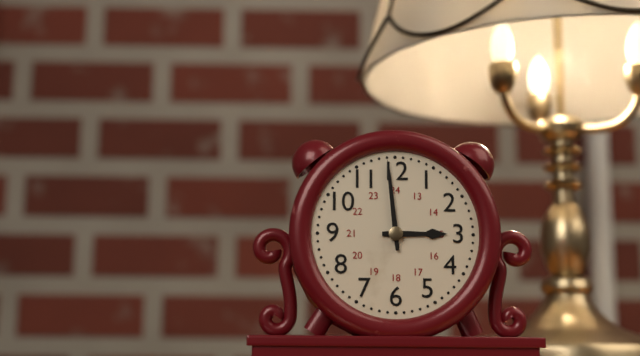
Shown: h=2 m=59
